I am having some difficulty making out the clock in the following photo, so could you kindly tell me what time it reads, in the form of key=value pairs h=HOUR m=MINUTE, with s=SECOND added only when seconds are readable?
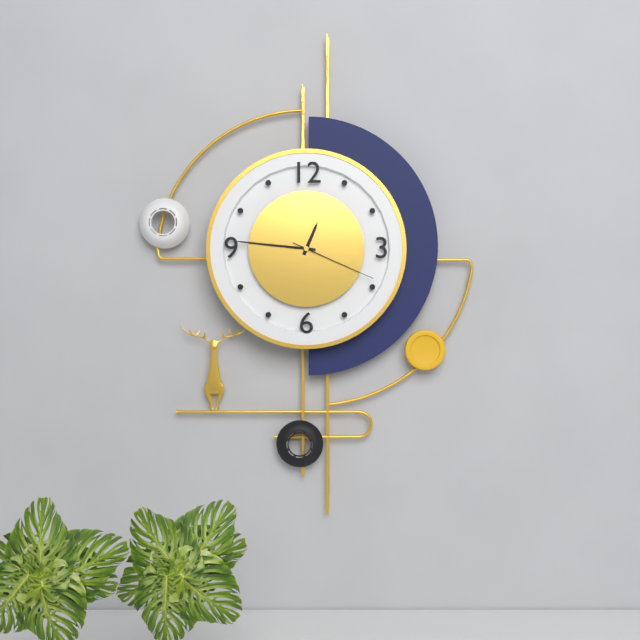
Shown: h=12 m=46 s=19
